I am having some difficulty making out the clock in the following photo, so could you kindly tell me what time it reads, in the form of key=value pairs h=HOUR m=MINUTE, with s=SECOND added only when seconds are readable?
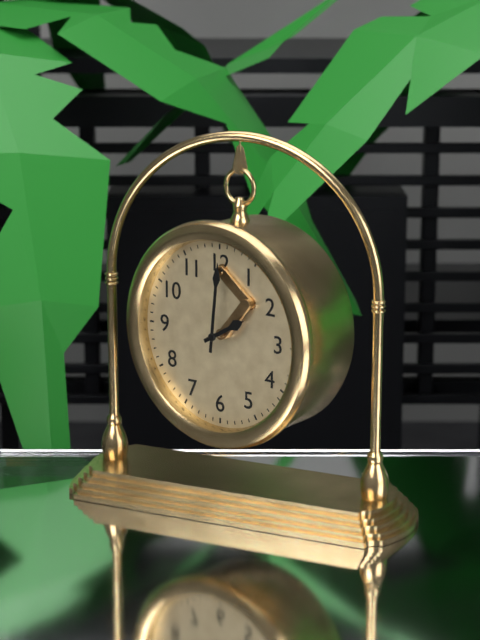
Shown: h=2 m=1
